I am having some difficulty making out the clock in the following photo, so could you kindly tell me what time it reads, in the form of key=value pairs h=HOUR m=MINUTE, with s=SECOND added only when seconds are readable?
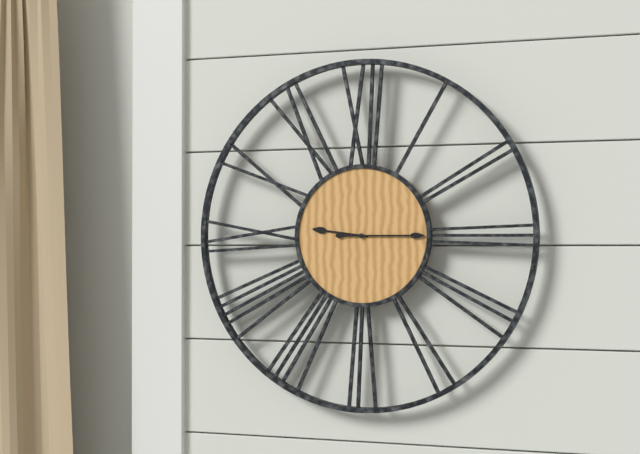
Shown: h=9 m=15
